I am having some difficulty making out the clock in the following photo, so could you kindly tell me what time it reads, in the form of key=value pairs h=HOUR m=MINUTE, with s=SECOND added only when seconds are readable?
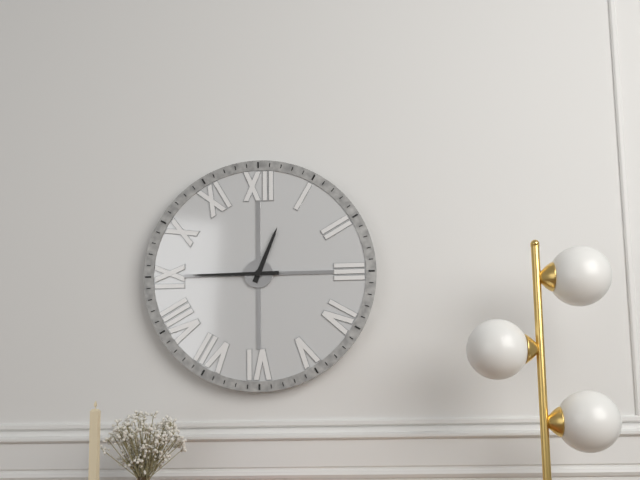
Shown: h=12 m=45
